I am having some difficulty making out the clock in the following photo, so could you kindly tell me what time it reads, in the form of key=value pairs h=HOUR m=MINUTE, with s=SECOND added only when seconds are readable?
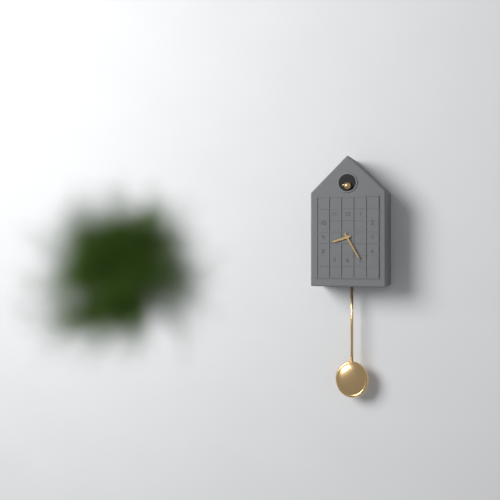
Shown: h=8 m=25
